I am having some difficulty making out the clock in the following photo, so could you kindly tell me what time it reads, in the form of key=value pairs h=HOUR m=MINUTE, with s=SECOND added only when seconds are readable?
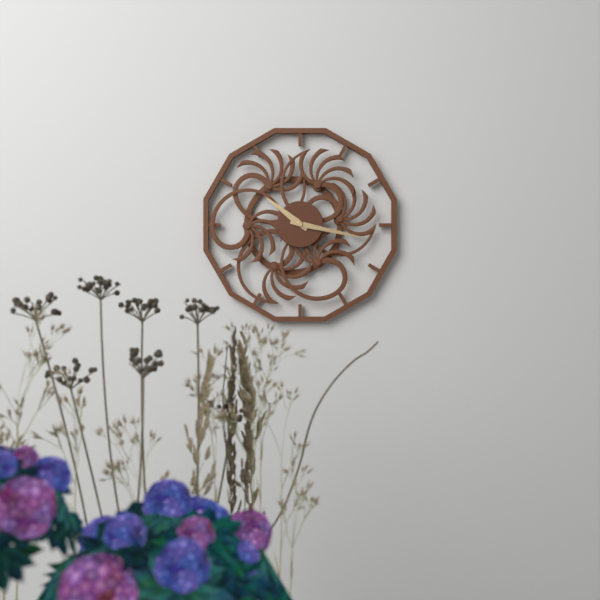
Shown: h=10 m=17
